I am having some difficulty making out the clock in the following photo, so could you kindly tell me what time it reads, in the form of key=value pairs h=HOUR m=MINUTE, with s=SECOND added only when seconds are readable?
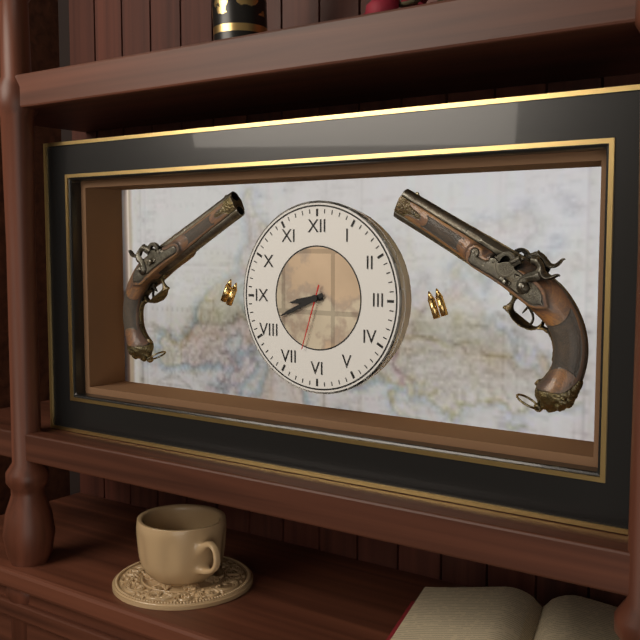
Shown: h=8 m=41 s=33
